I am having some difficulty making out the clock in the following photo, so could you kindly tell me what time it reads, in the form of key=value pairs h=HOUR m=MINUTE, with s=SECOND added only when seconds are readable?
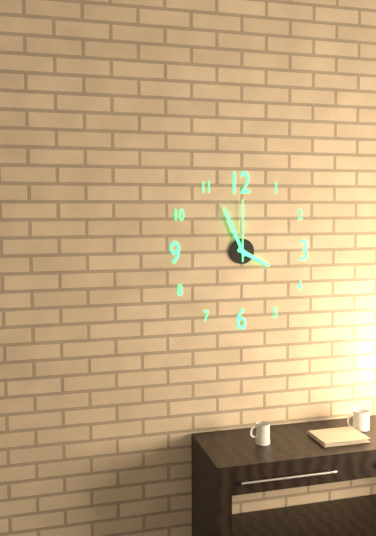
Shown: h=3 m=56 s=0
